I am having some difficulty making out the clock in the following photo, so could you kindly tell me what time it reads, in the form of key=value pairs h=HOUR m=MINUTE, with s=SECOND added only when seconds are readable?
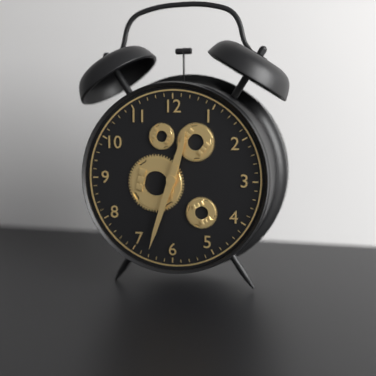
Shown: h=12 m=33
